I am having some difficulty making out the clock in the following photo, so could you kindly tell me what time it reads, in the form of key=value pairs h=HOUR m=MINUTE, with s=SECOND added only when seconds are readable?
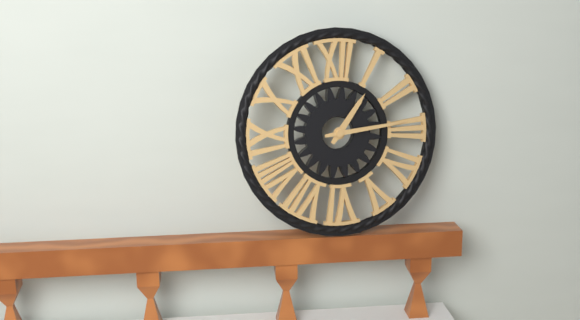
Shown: h=1 m=14
